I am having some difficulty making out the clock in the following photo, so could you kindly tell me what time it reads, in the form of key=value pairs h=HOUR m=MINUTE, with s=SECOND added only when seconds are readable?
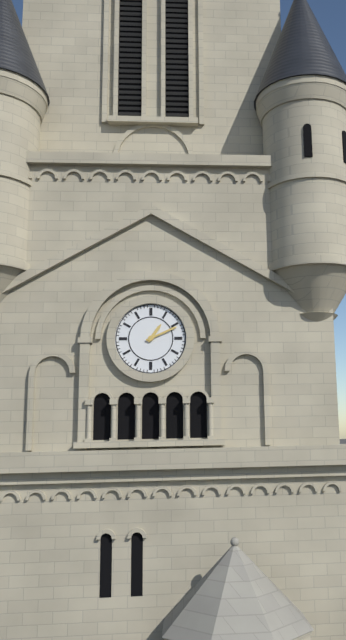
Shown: h=1 m=11
